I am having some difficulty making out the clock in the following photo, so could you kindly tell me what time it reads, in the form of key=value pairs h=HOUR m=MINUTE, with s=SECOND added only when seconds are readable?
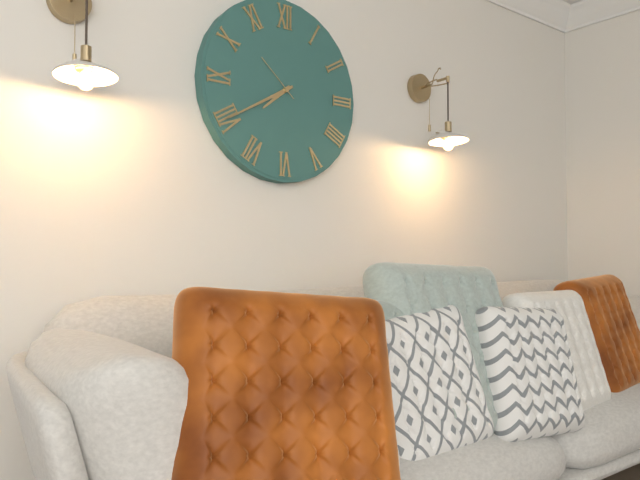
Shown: h=7 m=40
